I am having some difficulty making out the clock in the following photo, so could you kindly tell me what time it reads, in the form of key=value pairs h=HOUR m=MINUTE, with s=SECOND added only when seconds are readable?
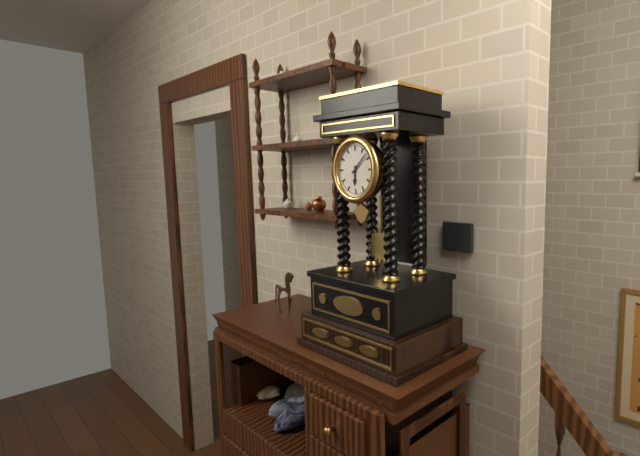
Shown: h=6 m=8
